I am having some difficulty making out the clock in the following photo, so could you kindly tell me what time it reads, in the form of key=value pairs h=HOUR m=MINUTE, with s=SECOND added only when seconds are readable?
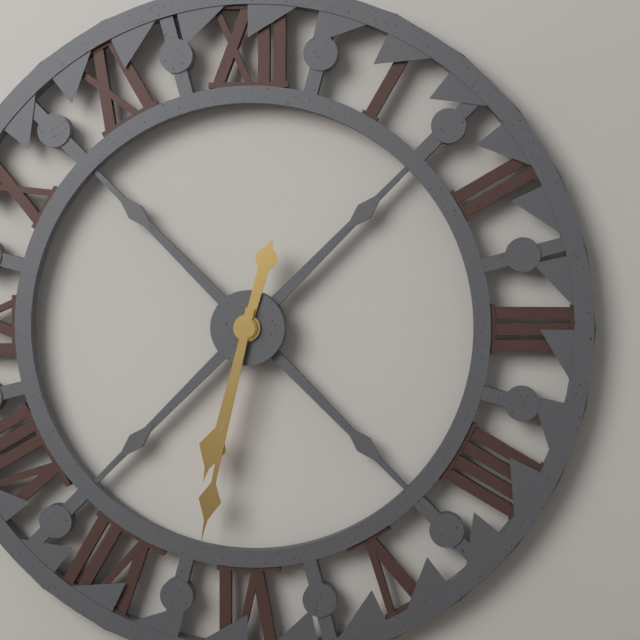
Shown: h=6 m=32
